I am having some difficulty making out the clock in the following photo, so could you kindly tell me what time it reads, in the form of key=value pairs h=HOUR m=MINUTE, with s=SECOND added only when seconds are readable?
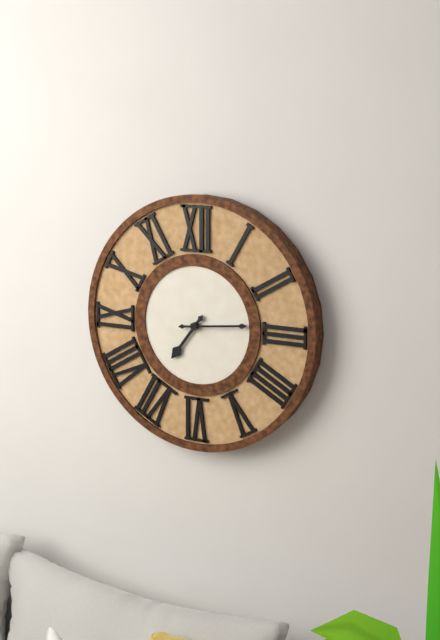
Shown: h=7 m=14
